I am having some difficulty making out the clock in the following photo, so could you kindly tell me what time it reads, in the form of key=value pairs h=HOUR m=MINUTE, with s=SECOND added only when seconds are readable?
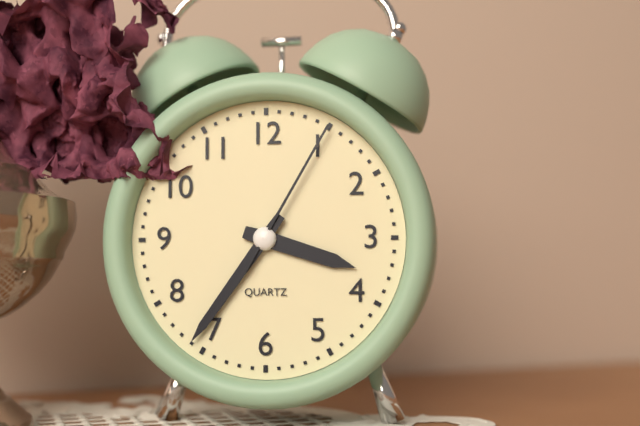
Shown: h=3 m=36 s=5
